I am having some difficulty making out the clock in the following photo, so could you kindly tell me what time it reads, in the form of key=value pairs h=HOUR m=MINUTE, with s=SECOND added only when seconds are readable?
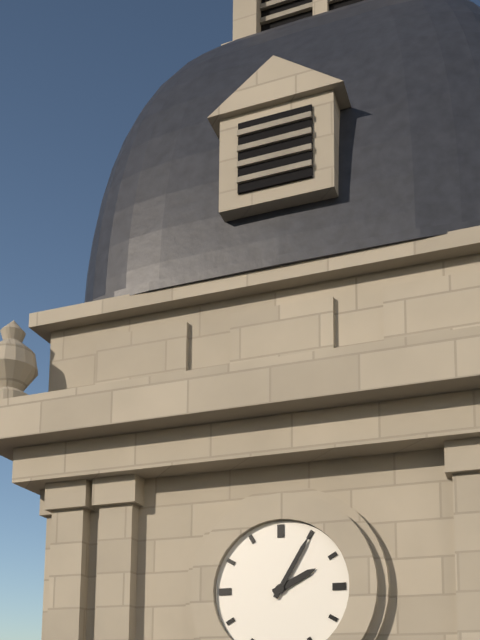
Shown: h=2 m=5
